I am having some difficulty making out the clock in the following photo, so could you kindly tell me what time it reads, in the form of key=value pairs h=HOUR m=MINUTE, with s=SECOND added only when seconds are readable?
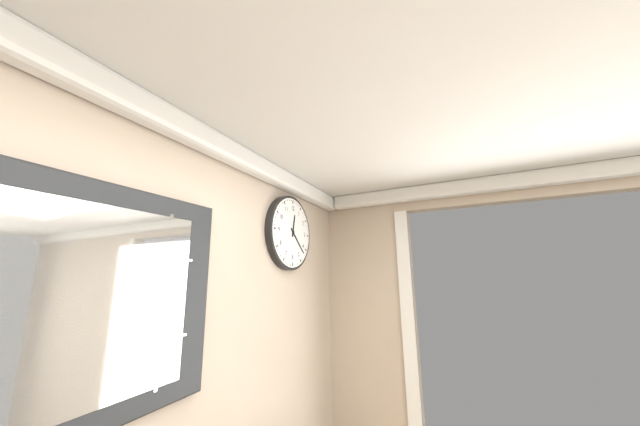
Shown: h=12 m=22
